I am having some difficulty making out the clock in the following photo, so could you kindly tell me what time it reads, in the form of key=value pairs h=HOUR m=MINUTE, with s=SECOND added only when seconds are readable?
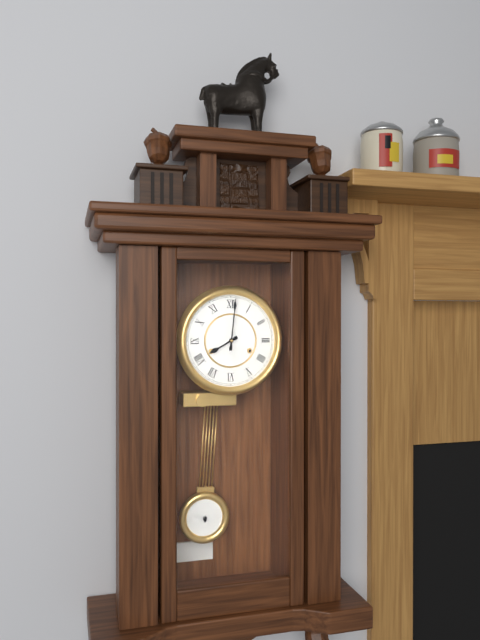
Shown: h=8 m=1
